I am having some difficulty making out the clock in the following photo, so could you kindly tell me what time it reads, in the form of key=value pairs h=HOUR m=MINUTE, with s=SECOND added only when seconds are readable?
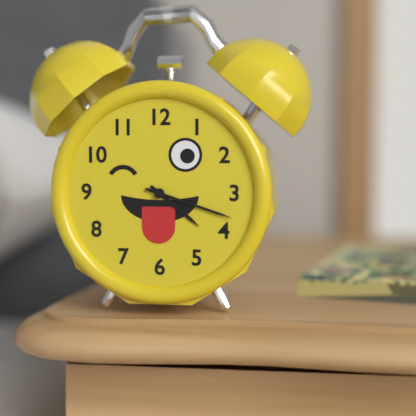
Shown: h=4 m=18
